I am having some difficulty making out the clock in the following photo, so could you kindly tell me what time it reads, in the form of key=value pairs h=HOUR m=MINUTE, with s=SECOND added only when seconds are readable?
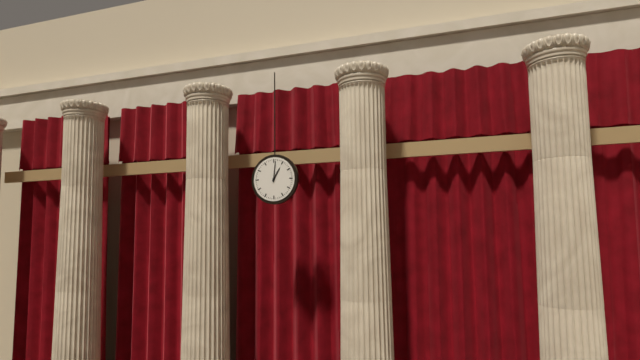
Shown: h=1 m=1
